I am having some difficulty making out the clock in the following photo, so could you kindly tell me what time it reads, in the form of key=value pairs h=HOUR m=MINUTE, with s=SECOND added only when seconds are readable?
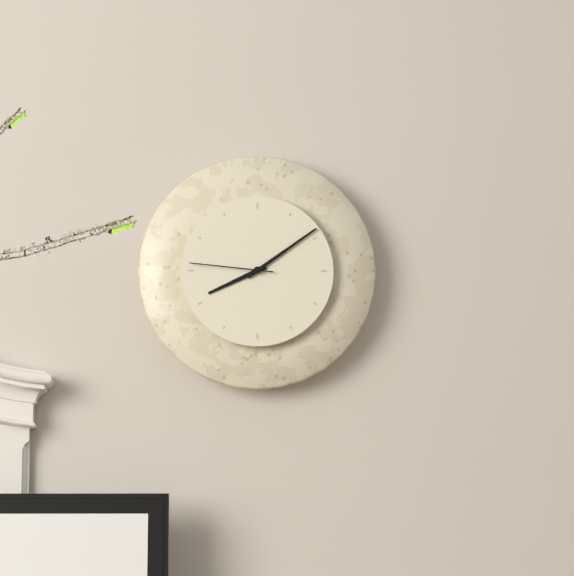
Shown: h=8 m=9 s=46
